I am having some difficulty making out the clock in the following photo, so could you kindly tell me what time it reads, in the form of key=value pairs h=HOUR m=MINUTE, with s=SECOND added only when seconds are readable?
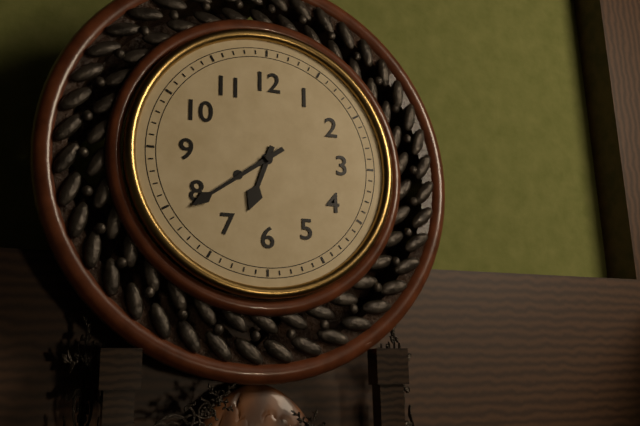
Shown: h=6 m=39
